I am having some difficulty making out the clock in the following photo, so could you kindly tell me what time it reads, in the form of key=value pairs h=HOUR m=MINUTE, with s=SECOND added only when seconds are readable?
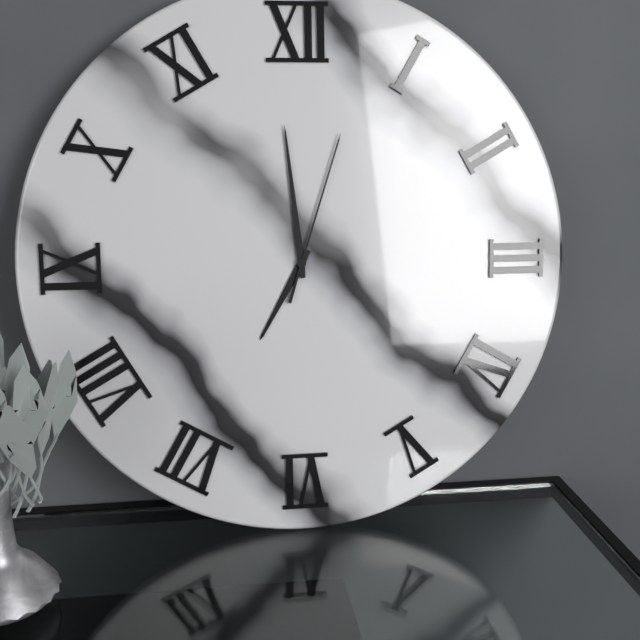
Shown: h=6 m=59 s=3
